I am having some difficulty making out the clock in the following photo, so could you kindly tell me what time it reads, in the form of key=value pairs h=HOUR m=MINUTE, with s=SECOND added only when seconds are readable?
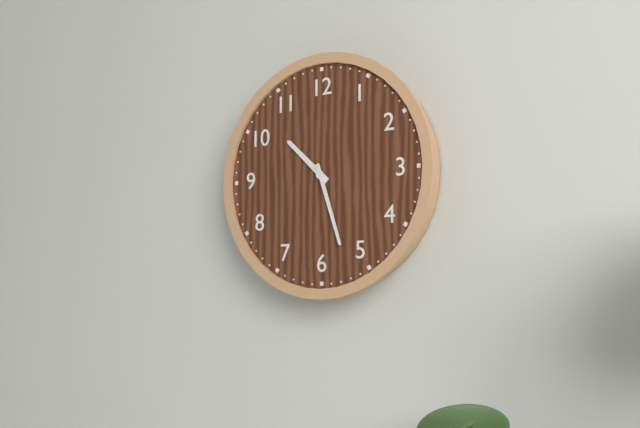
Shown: h=10 m=27
